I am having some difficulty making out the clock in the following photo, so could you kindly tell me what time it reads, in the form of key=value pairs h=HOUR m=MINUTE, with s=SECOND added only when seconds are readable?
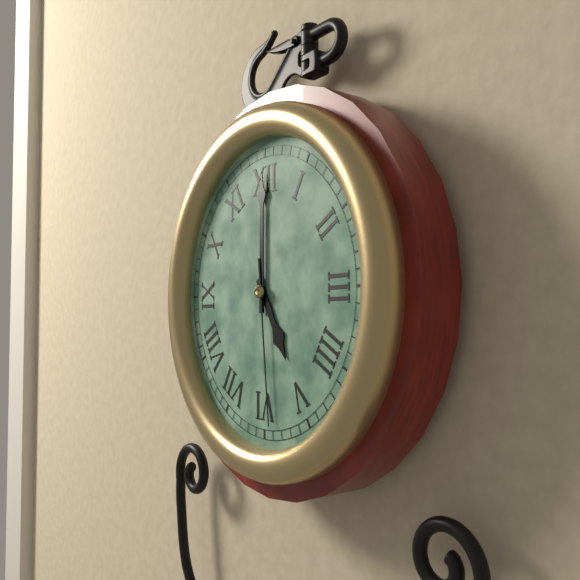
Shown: h=5 m=0 s=29
